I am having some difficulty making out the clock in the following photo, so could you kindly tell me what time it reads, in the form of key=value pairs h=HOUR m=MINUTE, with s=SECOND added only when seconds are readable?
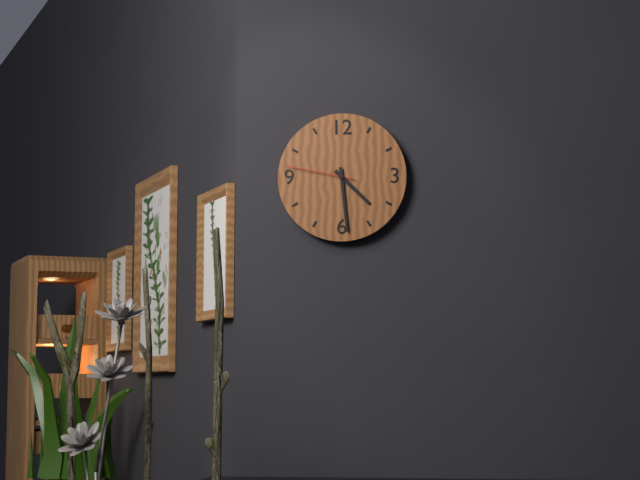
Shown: h=4 m=29 s=47
